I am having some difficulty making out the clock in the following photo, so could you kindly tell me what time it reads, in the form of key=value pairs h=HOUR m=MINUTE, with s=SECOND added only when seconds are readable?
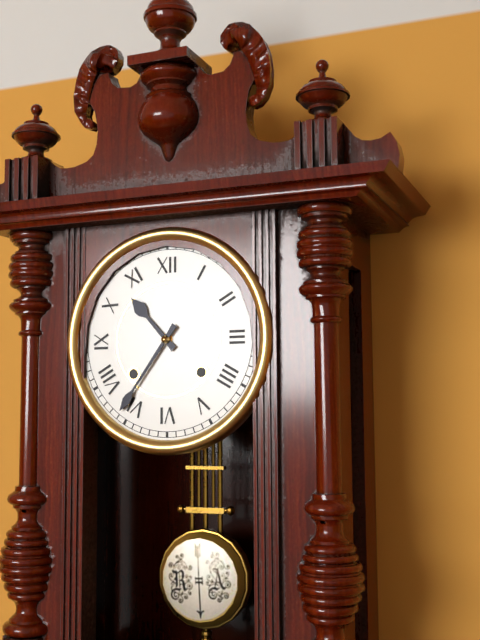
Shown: h=10 m=36
